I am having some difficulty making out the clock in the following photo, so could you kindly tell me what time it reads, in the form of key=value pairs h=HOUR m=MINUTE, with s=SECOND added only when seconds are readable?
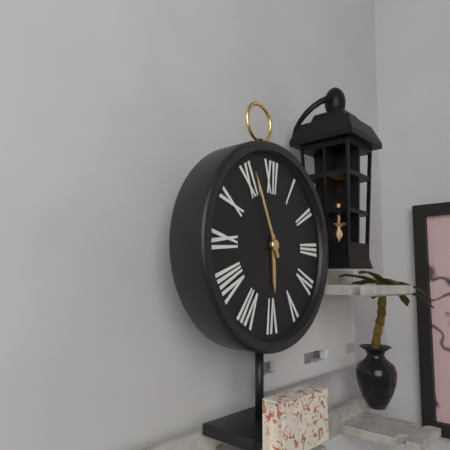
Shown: h=5 m=56
